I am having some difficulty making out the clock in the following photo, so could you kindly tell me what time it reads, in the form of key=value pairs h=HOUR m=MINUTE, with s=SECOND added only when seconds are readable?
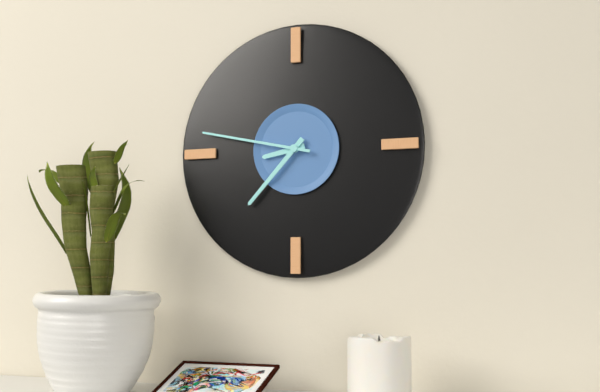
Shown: h=8 m=37 s=47
